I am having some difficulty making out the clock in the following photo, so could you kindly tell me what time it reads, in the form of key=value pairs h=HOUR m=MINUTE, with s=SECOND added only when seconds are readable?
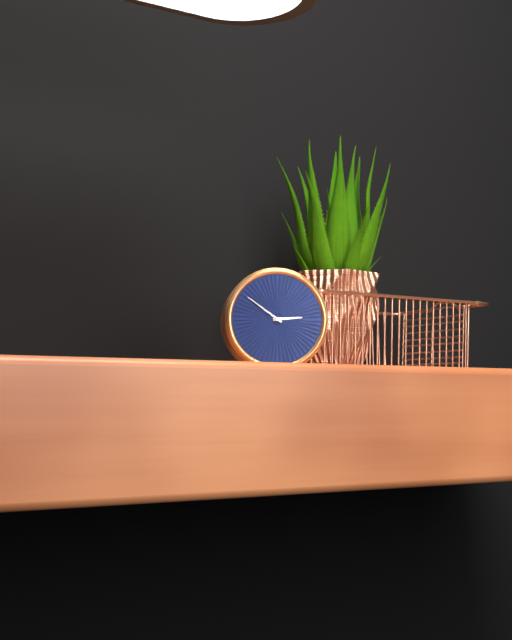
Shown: h=2 m=51
